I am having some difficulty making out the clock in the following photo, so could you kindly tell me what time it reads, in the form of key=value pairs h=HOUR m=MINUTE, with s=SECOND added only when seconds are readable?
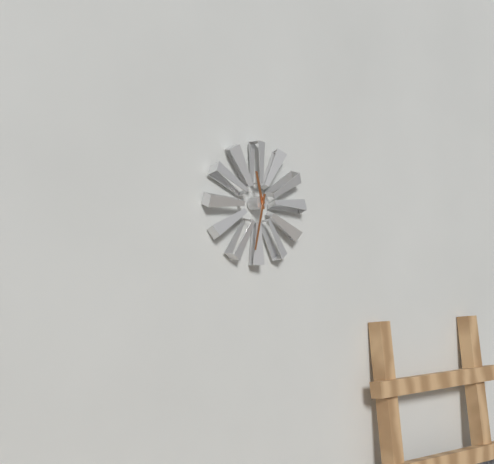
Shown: h=11 m=32
